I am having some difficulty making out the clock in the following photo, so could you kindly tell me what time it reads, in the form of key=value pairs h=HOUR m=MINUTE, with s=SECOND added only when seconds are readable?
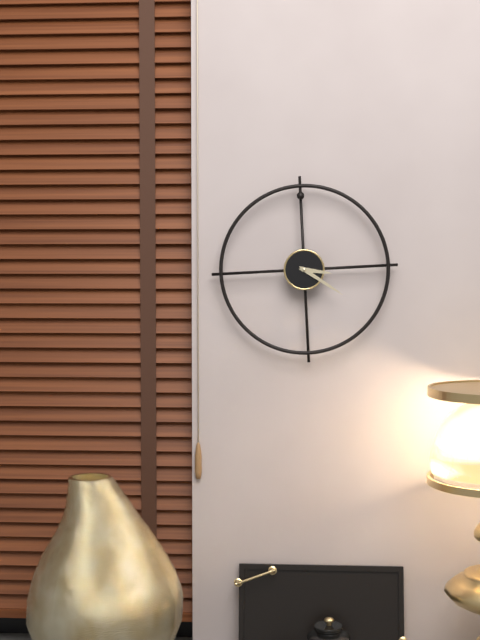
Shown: h=3 m=21
